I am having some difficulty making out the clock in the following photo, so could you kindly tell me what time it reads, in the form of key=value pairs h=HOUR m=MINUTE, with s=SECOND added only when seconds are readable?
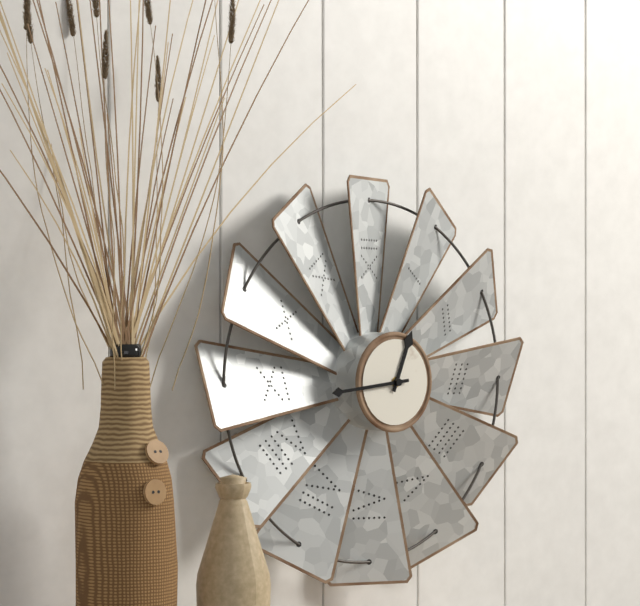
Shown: h=12 m=44
